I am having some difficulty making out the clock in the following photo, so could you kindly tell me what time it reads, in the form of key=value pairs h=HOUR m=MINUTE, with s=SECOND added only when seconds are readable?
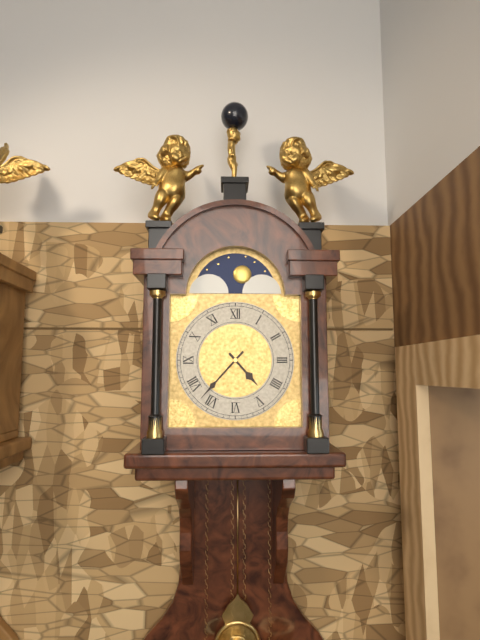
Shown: h=4 m=37
